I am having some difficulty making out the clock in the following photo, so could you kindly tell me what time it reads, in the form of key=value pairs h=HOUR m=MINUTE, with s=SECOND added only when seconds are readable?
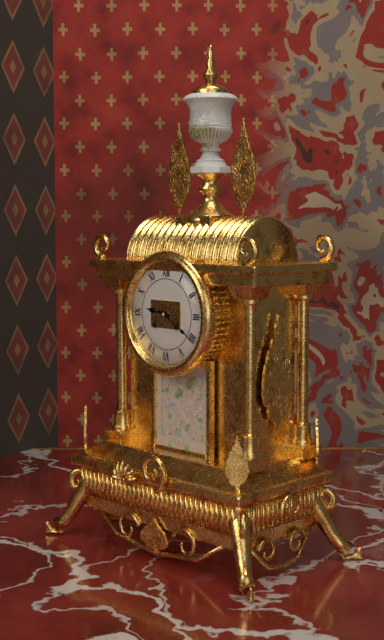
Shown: h=9 m=20
